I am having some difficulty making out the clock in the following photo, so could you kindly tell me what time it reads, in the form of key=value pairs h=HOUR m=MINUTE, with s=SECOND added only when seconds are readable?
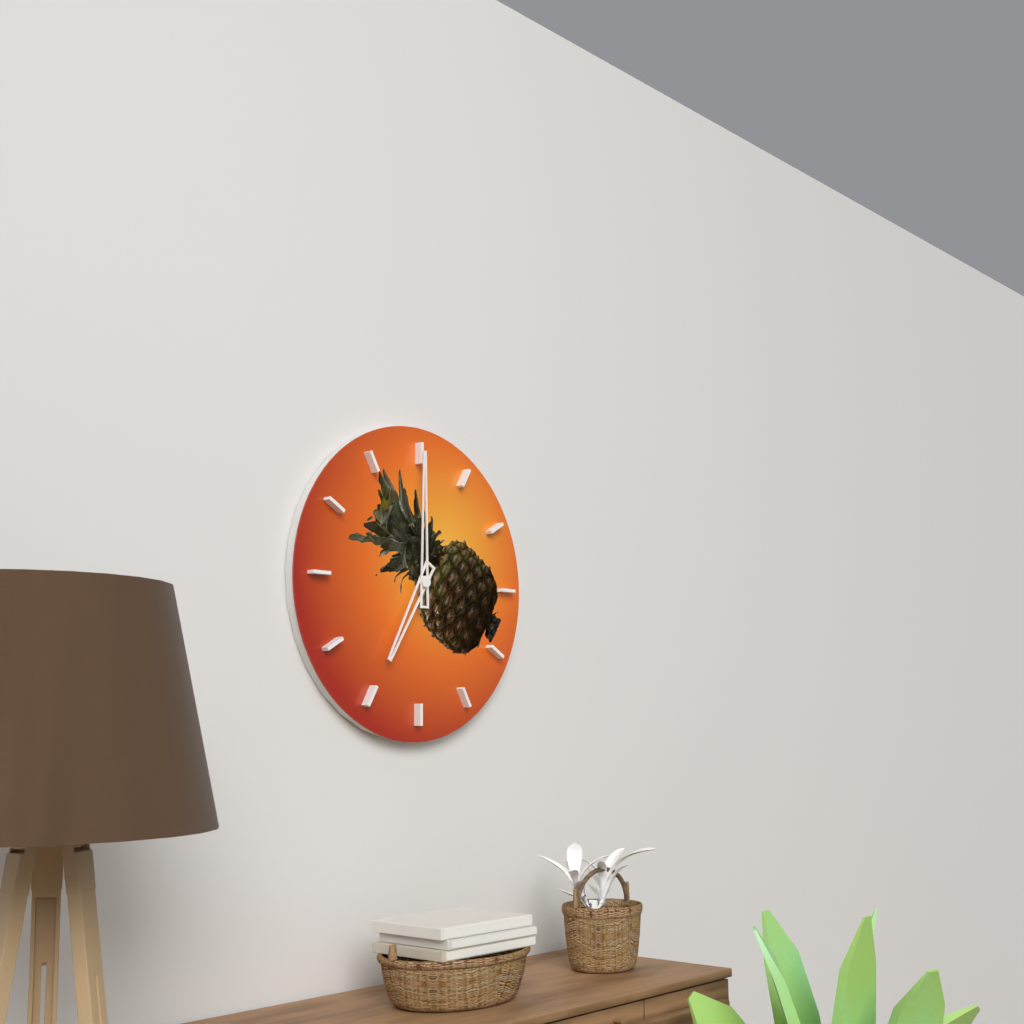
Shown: h=7 m=0
